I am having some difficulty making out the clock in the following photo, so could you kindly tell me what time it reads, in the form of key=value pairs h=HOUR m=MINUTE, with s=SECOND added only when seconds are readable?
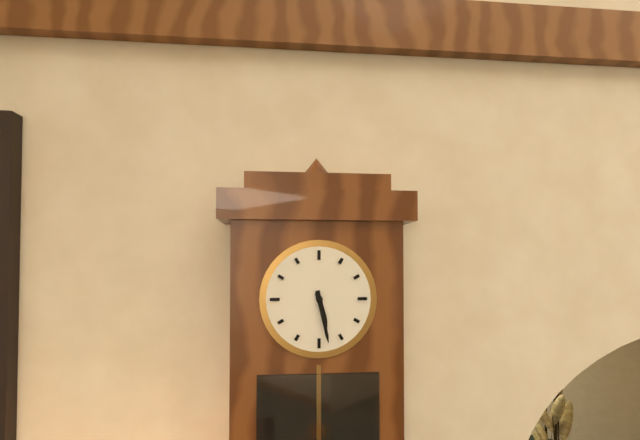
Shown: h=5 m=28
